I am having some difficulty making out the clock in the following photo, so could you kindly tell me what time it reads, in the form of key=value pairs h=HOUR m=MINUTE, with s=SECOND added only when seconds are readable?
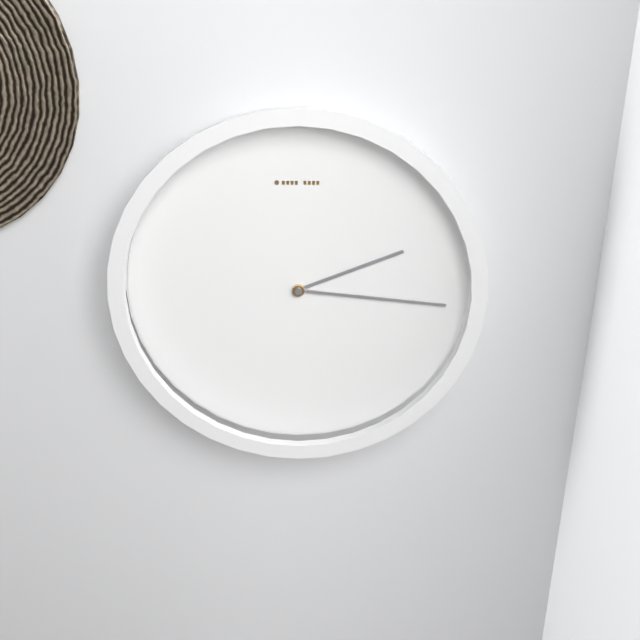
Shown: h=2 m=16
